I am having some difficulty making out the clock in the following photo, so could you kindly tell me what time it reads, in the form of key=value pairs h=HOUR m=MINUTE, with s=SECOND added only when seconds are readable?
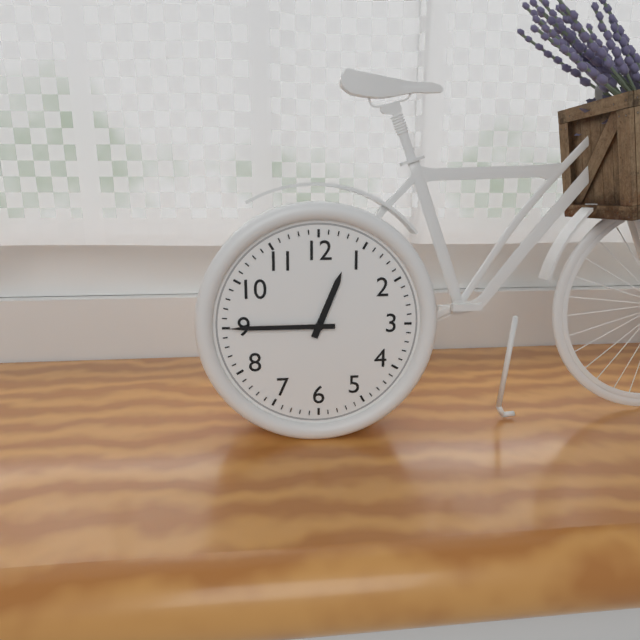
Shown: h=12 m=45
